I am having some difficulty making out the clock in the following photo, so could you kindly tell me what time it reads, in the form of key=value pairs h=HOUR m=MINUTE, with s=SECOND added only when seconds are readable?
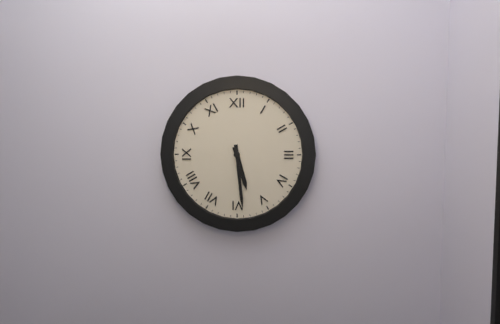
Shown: h=5 m=29
